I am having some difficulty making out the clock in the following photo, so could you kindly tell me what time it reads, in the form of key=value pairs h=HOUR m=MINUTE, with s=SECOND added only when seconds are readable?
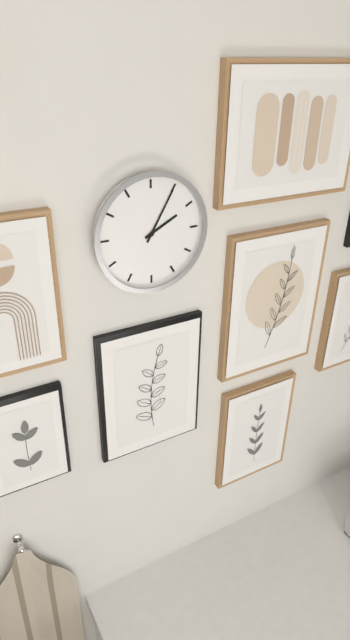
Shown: h=2 m=5
